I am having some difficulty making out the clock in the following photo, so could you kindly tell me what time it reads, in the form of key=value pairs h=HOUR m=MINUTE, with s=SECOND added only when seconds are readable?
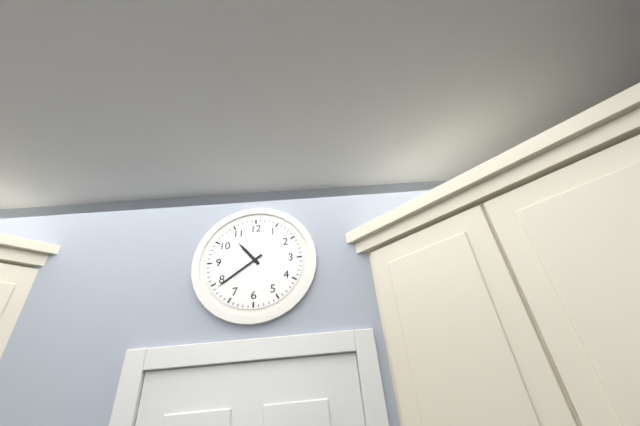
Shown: h=10 m=39
